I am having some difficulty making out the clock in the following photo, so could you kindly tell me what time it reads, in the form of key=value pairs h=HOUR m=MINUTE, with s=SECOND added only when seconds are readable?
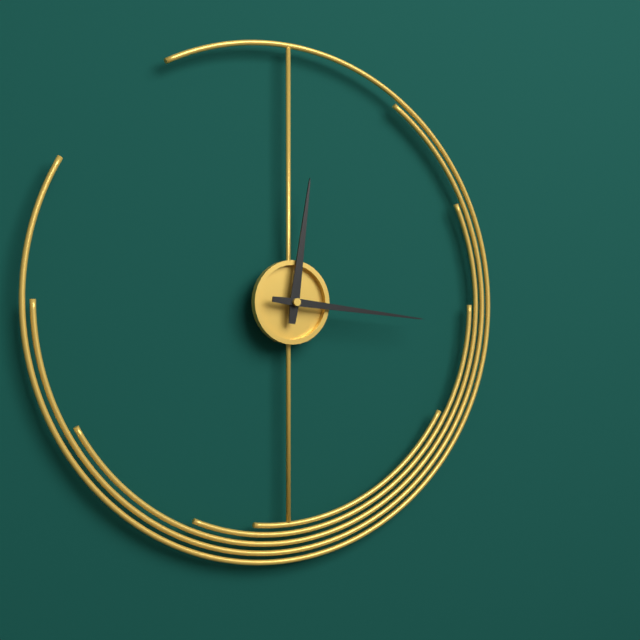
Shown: h=12 m=16
